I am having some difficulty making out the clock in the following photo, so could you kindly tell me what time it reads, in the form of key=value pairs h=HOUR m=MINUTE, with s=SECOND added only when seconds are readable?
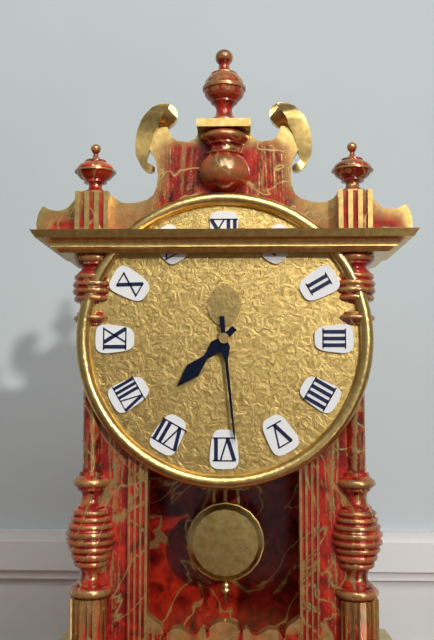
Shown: h=7 m=29
